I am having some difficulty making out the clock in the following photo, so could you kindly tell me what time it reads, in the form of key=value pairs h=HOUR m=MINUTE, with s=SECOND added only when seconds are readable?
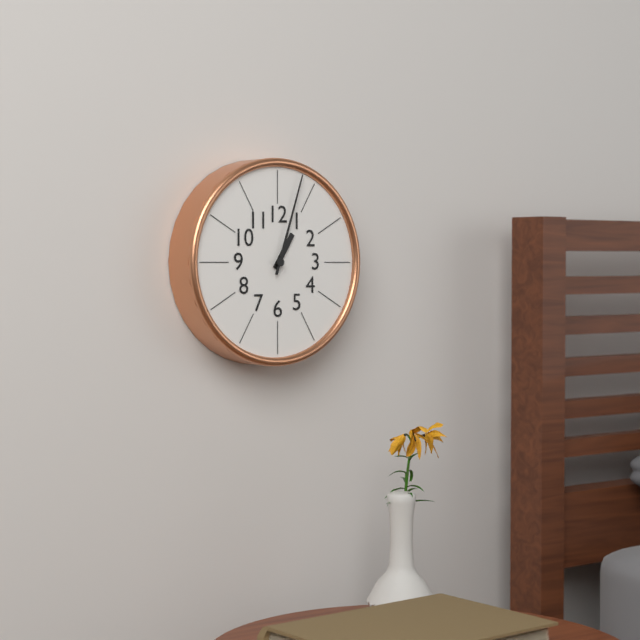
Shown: h=1 m=3
